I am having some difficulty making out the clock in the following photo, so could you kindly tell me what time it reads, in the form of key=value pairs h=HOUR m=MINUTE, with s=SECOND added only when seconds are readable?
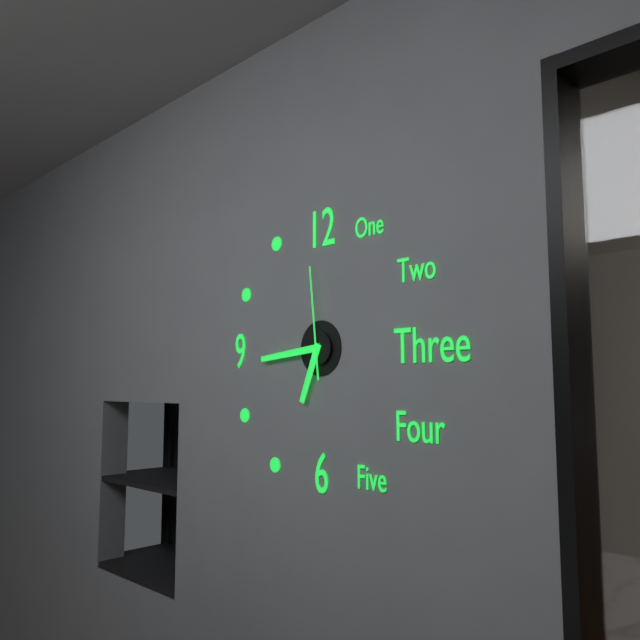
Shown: h=6 m=44 s=59
